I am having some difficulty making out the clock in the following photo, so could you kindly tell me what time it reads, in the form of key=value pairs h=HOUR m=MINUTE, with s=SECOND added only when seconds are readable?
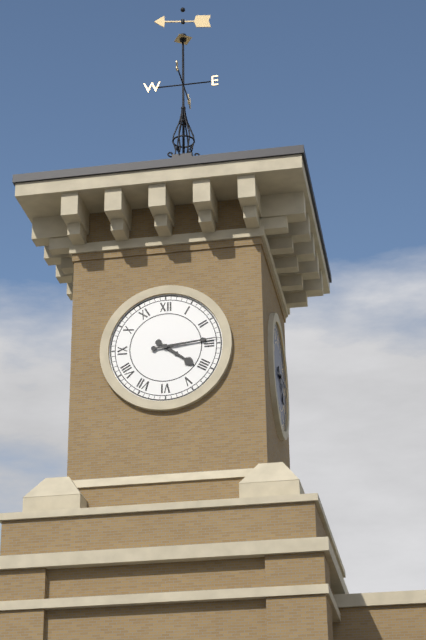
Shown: h=4 m=14
